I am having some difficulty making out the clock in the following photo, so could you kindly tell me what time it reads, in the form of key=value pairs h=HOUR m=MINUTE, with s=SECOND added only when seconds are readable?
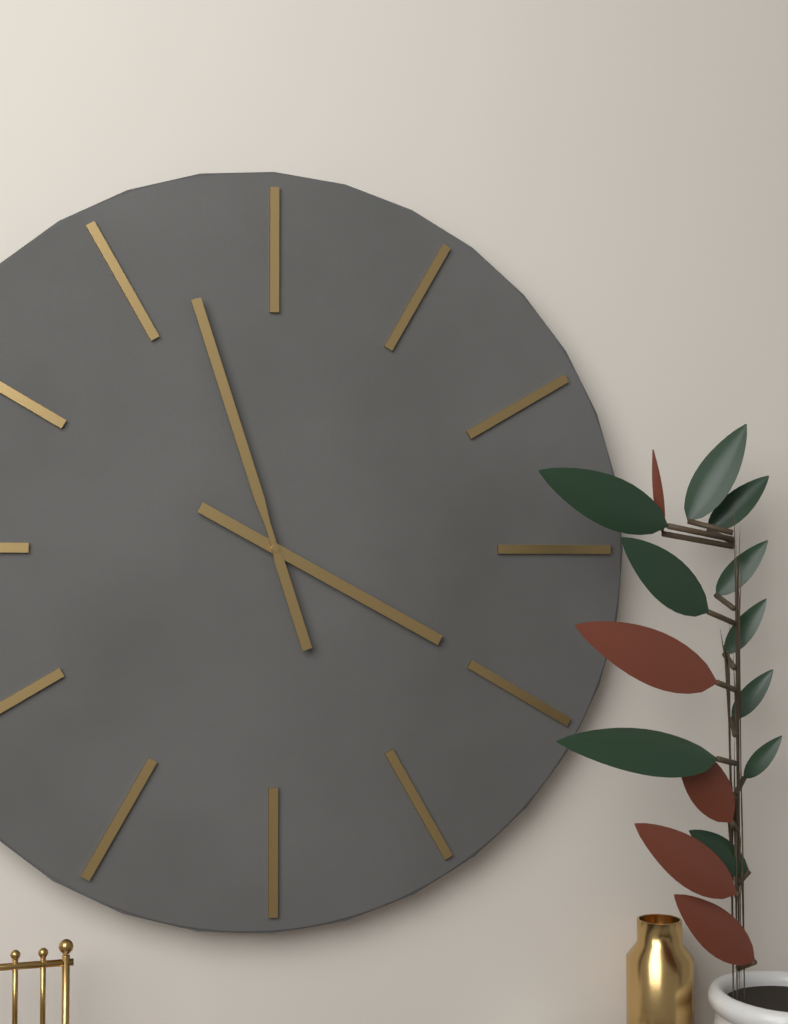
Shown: h=3 m=57
